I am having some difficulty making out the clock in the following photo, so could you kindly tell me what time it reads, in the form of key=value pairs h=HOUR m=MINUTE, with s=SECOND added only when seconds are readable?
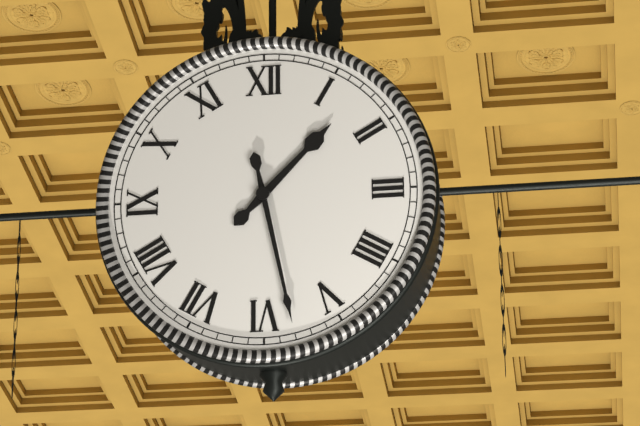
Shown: h=1 m=28
